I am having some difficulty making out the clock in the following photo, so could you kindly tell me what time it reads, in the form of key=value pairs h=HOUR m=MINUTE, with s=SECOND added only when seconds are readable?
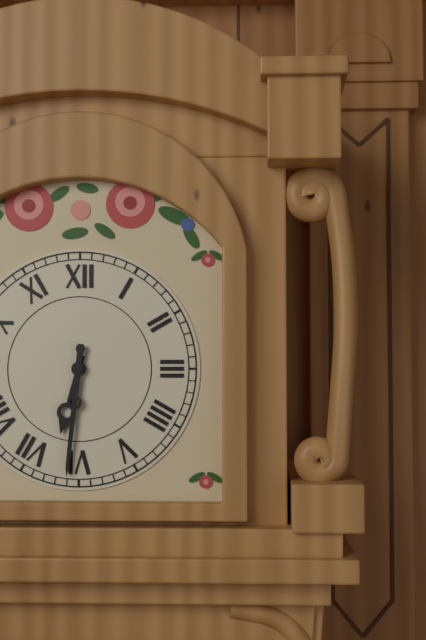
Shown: h=6 m=31
